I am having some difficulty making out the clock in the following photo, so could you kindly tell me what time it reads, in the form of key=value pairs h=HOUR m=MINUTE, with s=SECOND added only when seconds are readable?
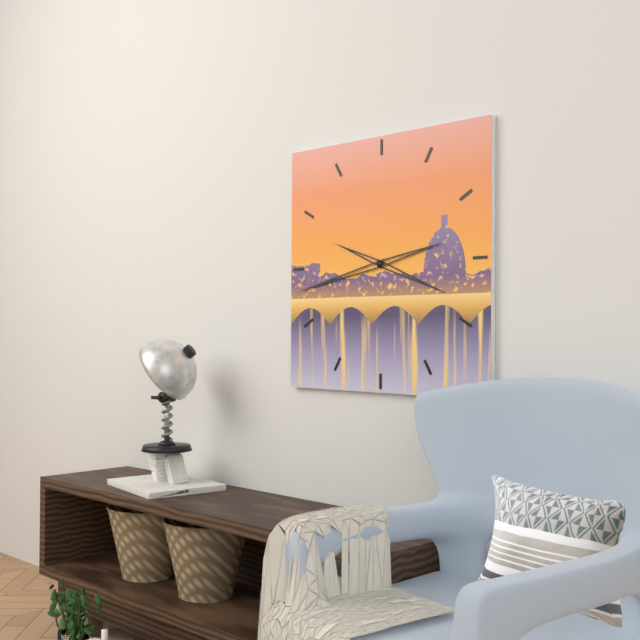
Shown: h=3 m=43
